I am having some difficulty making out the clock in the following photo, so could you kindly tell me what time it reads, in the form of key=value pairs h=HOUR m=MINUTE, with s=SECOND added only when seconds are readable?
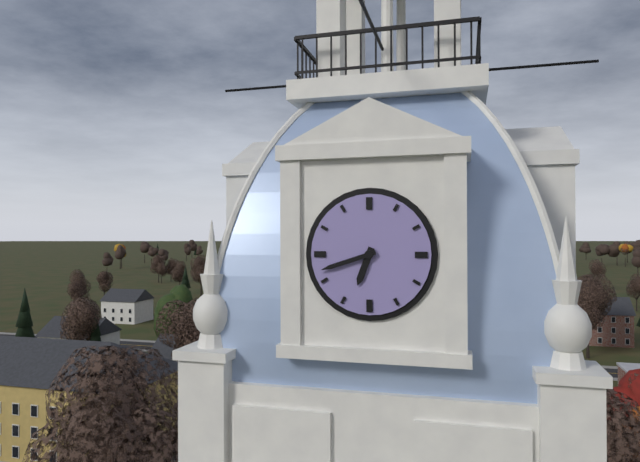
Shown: h=6 m=42
